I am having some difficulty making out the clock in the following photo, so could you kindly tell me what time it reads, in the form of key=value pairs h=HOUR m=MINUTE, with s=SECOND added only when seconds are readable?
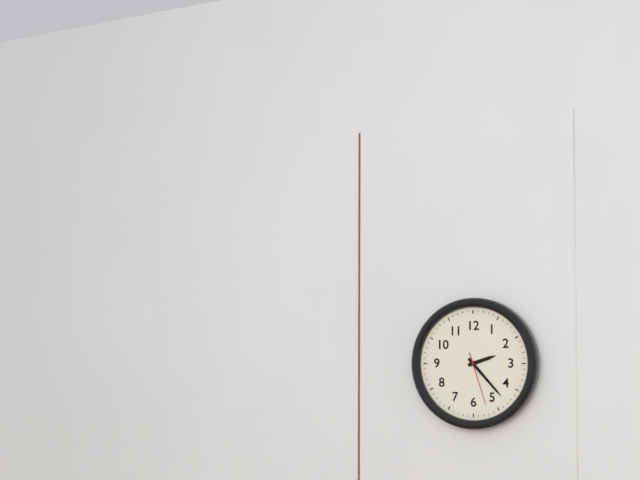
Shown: h=2 m=23 s=27
